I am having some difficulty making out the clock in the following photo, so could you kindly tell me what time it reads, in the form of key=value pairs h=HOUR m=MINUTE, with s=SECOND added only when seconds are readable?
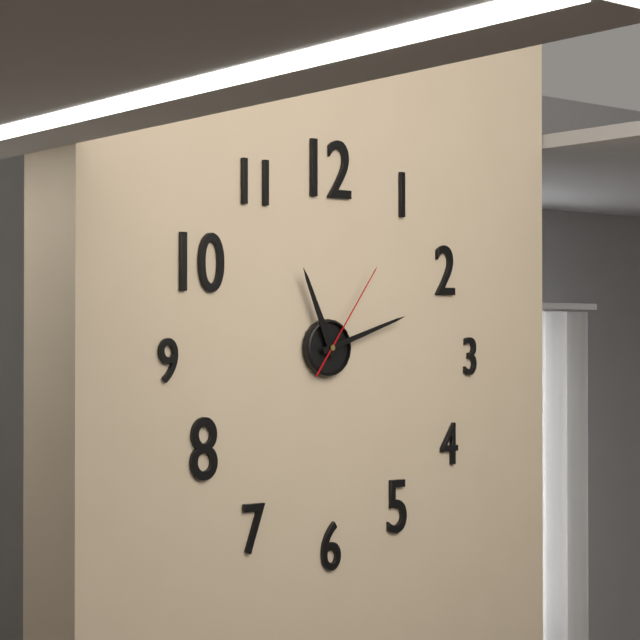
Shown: h=11 m=12 s=6
